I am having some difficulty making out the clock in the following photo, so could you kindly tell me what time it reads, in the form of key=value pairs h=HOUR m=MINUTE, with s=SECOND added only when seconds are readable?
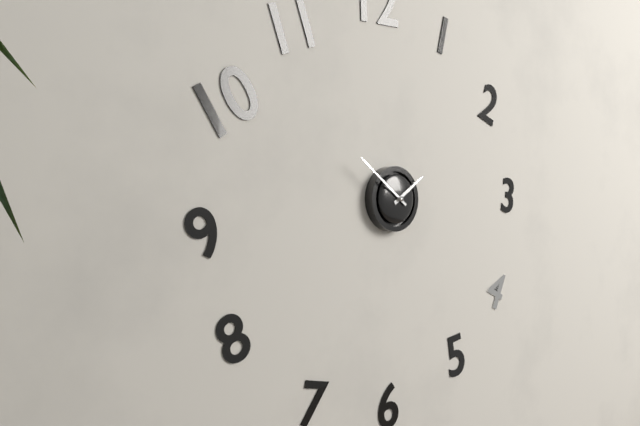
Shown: h=1 m=51
